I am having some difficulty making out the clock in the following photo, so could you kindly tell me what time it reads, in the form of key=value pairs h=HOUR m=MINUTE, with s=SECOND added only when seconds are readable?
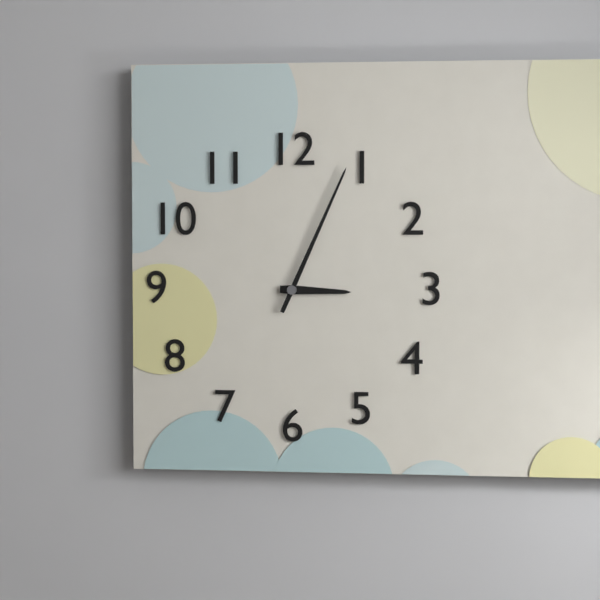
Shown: h=3 m=4
